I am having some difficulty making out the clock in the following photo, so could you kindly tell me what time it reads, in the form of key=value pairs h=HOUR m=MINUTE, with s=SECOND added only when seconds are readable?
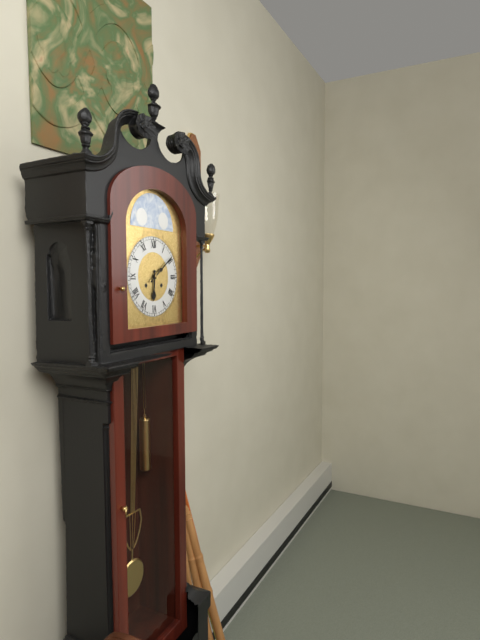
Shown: h=6 m=9
